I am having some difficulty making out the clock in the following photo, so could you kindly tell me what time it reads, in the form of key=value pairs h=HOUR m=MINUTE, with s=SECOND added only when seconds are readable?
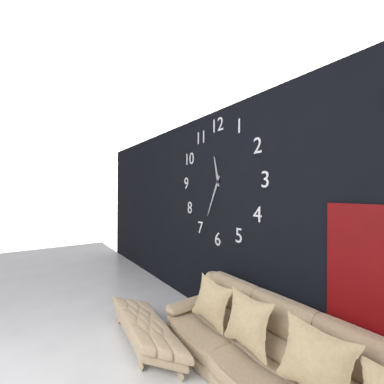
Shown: h=11 m=34
